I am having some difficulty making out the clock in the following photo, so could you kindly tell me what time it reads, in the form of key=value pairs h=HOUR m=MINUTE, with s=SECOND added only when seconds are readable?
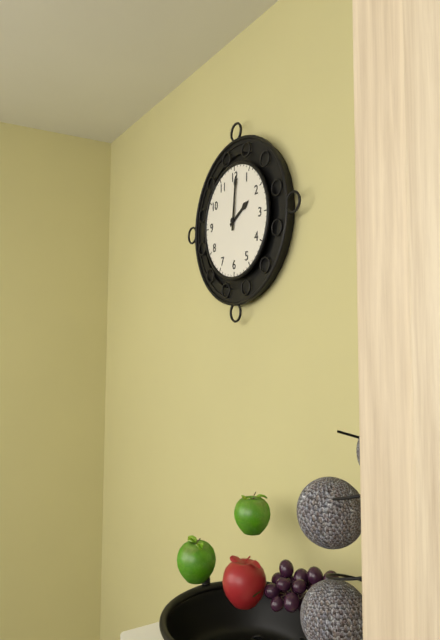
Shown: h=2 m=1
